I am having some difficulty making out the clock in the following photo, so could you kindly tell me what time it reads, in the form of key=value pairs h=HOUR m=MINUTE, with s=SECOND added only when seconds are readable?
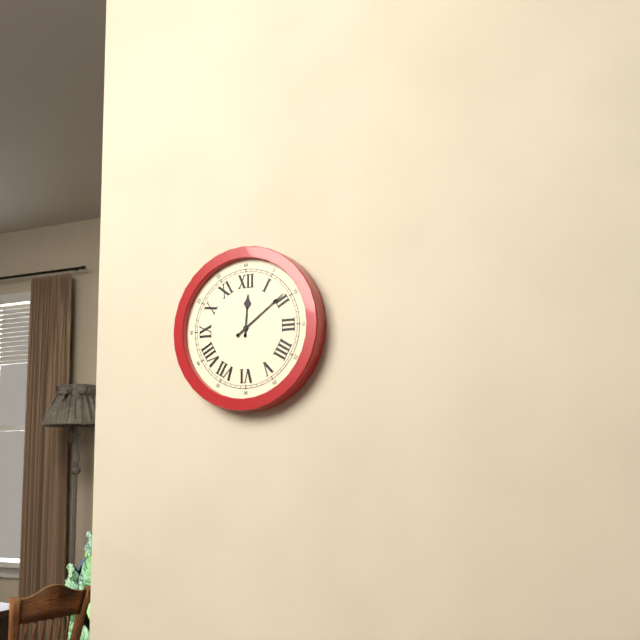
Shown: h=12 m=9
